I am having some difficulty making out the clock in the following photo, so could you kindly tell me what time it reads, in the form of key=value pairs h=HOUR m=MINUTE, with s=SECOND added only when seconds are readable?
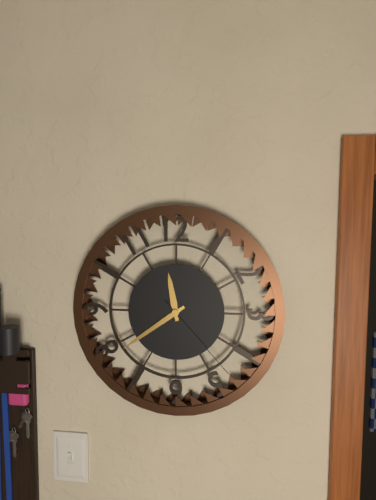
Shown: h=11 m=39 s=23
